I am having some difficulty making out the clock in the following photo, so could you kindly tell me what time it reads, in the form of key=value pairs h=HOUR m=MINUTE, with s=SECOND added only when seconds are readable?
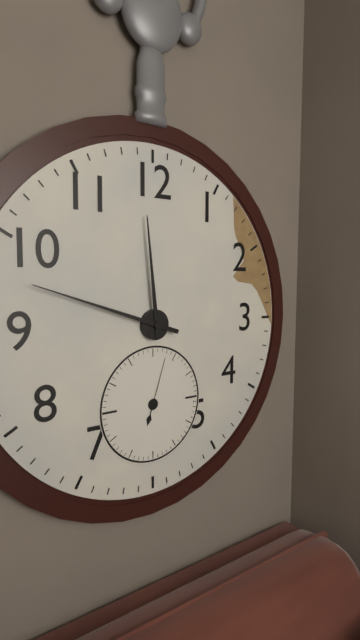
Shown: h=11 m=48 s=3
